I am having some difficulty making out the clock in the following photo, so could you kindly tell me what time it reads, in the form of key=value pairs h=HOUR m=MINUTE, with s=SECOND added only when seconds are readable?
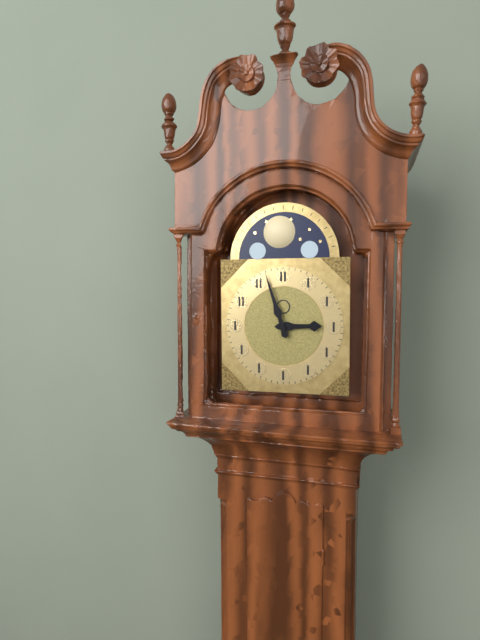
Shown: h=2 m=57
